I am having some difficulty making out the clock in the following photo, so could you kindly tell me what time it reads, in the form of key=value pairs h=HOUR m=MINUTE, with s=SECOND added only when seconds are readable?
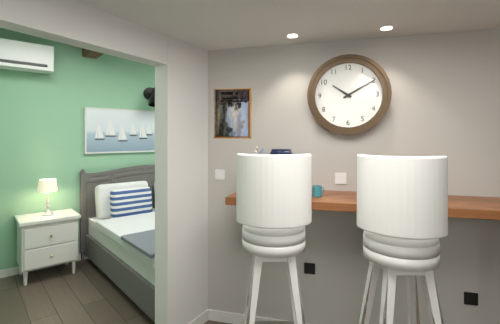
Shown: h=10 m=10
